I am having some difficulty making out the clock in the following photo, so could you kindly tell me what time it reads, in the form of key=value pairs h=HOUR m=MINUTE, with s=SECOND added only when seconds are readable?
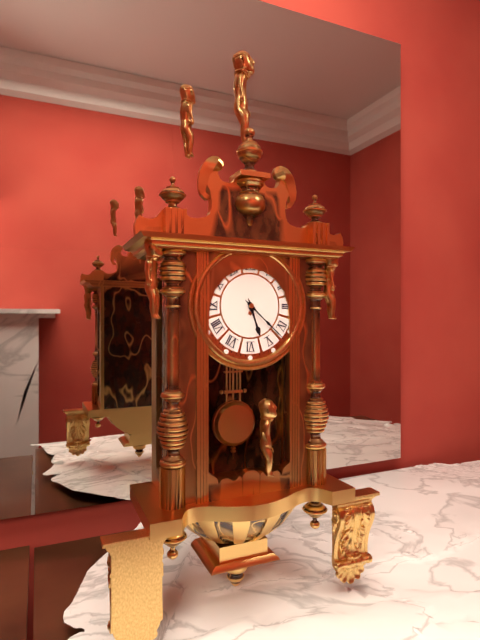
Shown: h=5 m=22
